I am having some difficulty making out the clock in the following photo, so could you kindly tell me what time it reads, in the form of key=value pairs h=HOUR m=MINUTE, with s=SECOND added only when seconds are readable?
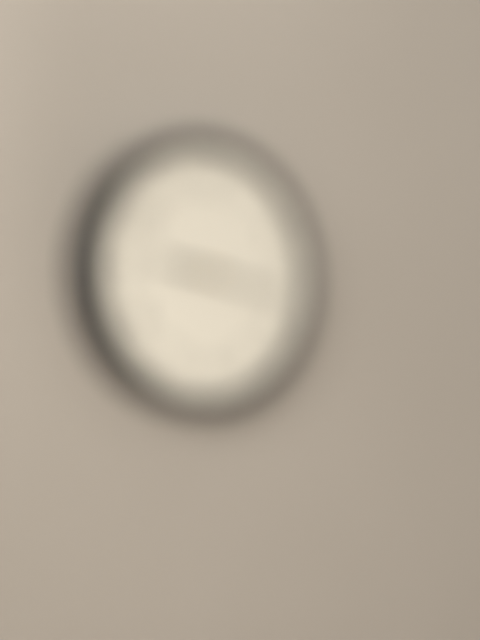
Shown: h=9 m=17
